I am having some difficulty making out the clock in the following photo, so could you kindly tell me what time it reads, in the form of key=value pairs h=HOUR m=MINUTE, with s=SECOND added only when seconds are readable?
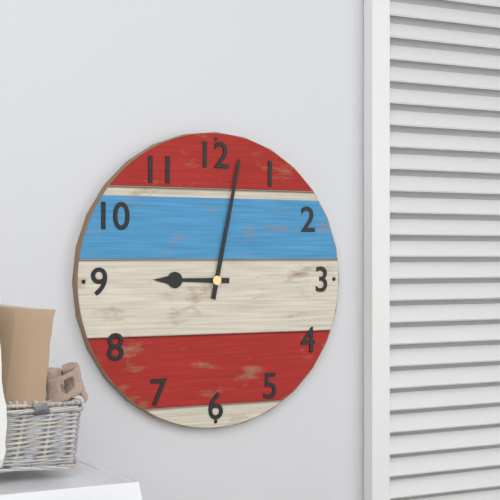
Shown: h=9 m=2
